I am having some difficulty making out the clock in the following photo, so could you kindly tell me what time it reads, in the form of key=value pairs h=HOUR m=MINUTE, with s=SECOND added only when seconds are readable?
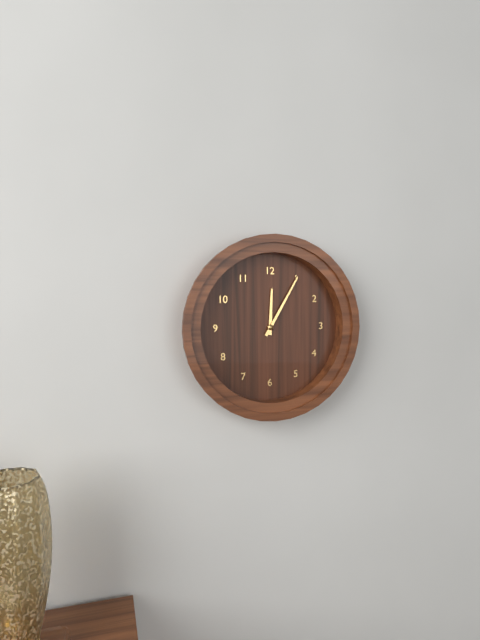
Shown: h=12 m=5
